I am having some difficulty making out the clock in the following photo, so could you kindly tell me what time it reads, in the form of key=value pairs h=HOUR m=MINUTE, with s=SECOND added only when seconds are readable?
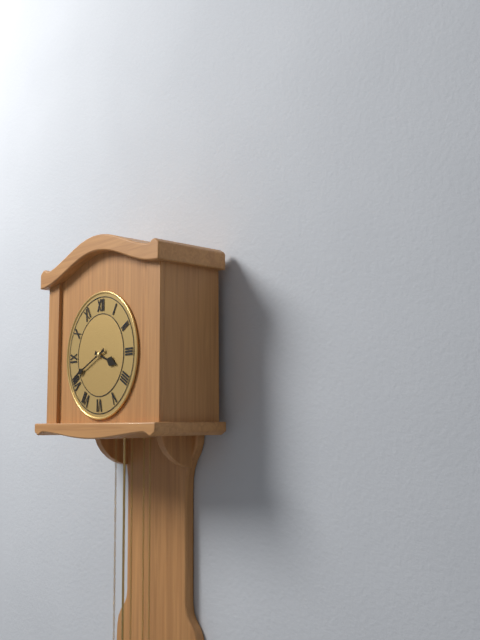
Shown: h=3 m=41
